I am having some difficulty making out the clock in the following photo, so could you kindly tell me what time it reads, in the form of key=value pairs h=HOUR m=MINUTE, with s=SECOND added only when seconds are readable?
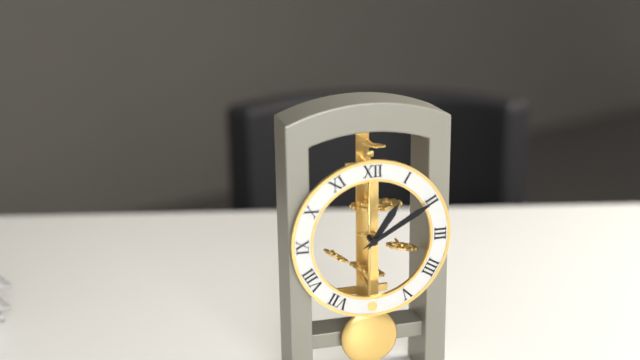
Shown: h=1 m=10
